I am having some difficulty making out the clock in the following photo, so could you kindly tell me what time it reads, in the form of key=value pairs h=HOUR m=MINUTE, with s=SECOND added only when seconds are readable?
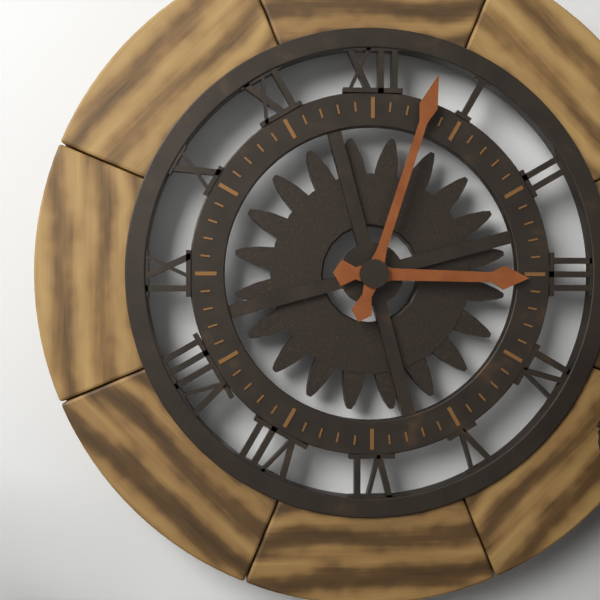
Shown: h=3 m=3
